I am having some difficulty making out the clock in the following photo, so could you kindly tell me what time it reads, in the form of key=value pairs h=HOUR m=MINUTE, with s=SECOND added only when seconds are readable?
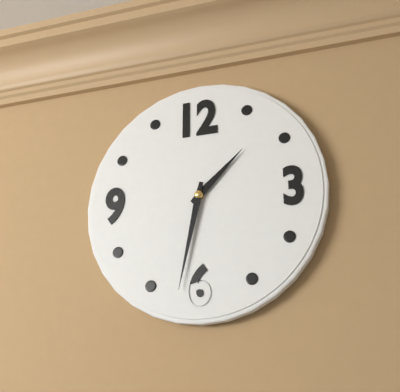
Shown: h=1 m=32
